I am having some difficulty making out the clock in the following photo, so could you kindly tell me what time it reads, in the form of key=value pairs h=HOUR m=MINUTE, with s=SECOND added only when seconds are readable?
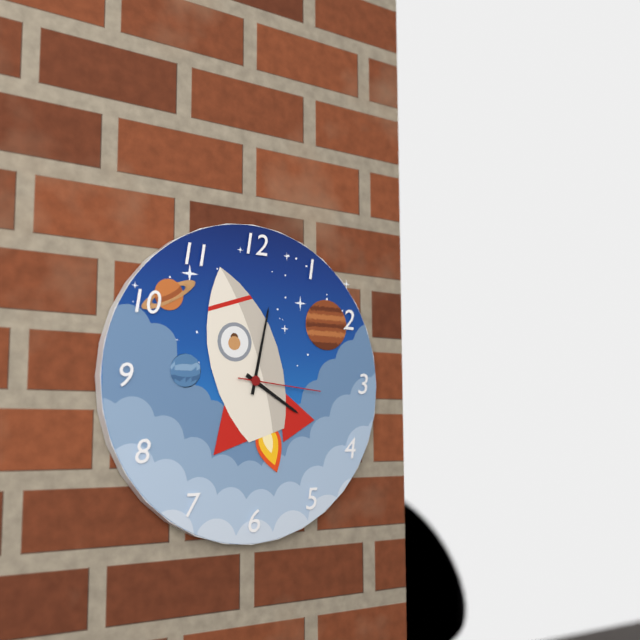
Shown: h=4 m=2 s=16
